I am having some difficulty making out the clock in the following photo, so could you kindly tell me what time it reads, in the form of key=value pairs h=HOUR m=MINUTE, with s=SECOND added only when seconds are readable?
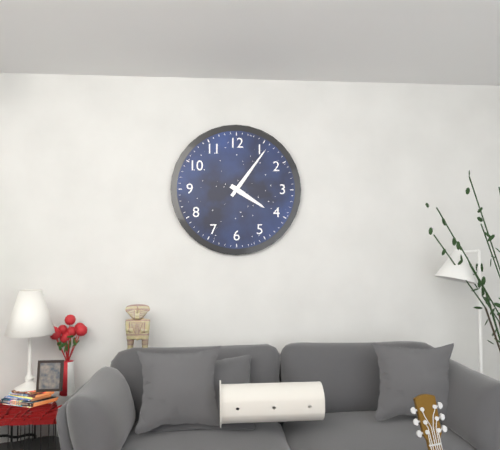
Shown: h=4 m=6
